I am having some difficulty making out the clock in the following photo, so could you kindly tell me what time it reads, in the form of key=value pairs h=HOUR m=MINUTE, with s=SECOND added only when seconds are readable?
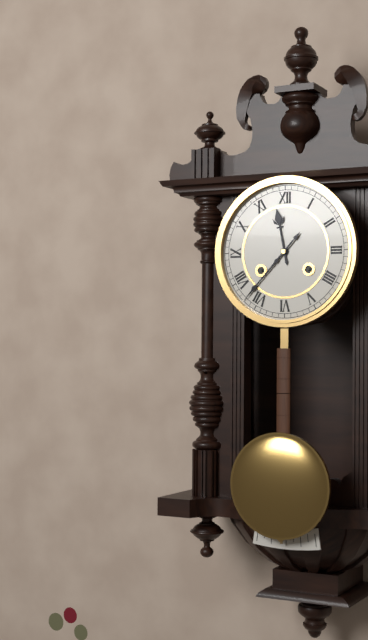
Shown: h=11 m=37
